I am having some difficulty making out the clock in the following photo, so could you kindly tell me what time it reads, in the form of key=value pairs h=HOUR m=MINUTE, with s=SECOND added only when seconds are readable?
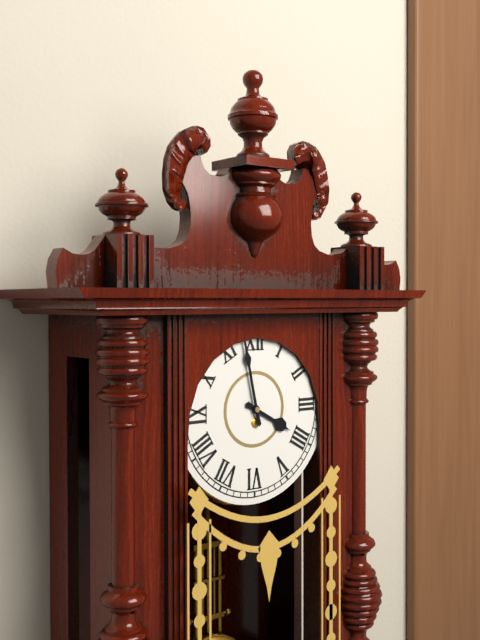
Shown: h=3 m=58
